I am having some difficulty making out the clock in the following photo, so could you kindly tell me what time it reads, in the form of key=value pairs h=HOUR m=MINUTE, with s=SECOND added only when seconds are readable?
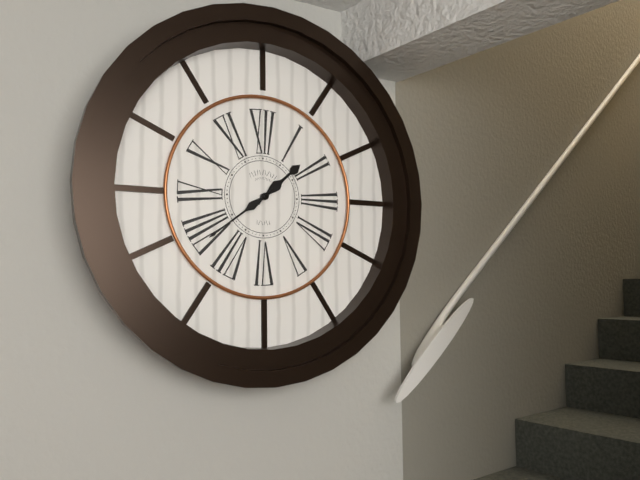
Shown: h=1 m=39
